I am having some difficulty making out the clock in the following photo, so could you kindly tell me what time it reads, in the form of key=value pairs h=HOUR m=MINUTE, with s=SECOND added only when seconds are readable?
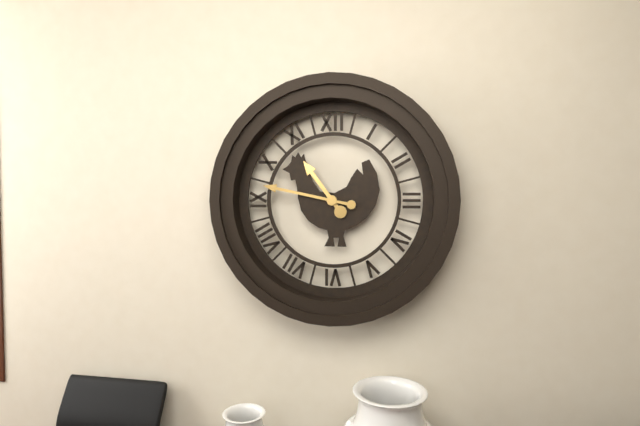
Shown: h=10 m=47
